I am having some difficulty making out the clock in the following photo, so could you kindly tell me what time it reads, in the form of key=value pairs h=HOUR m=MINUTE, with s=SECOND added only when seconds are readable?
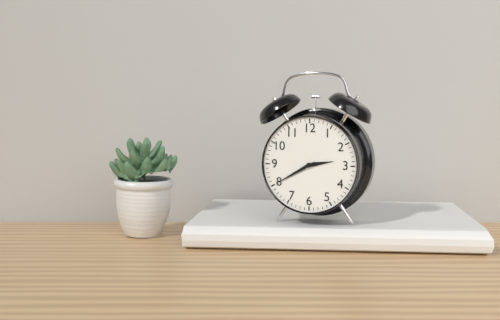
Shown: h=2 m=40
